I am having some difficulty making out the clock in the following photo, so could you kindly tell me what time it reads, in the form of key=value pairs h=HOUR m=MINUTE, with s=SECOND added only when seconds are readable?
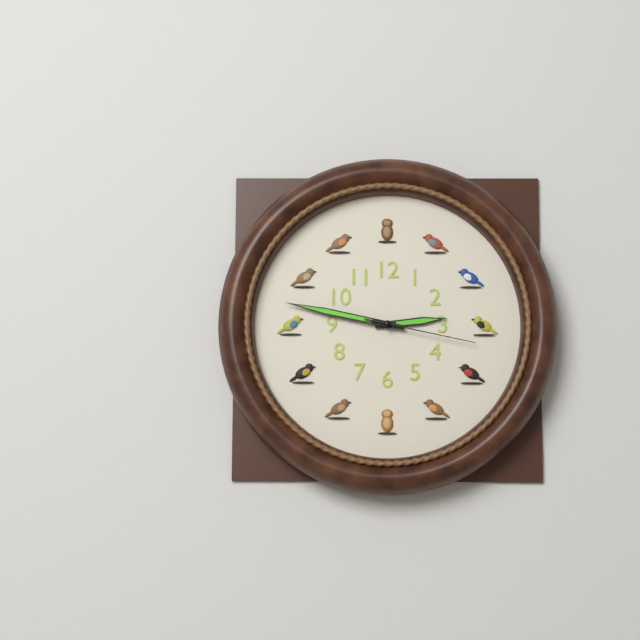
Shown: h=2 m=47 s=17
